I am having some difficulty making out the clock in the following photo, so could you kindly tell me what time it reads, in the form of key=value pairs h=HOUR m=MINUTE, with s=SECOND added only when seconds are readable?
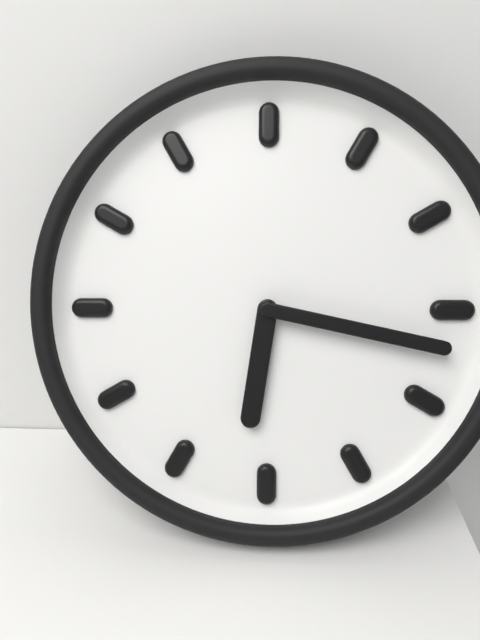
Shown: h=6 m=17
